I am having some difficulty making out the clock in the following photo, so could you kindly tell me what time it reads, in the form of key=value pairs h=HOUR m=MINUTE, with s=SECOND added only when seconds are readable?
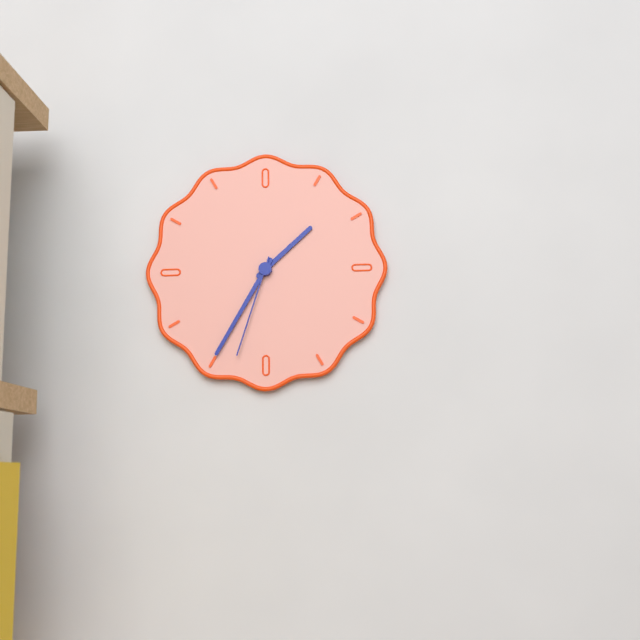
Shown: h=1 m=35 s=33
